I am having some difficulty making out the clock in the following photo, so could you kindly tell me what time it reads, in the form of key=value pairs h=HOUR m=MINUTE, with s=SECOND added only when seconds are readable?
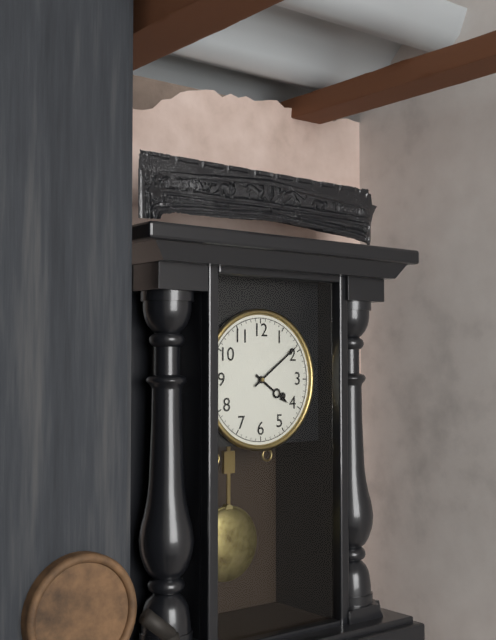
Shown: h=4 m=9
